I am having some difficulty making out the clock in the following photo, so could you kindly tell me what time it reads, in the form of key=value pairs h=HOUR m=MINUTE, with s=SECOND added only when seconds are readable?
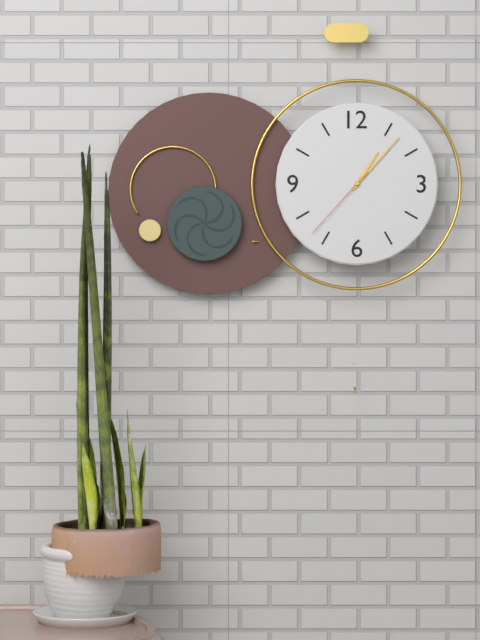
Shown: h=1 m=7 s=37
